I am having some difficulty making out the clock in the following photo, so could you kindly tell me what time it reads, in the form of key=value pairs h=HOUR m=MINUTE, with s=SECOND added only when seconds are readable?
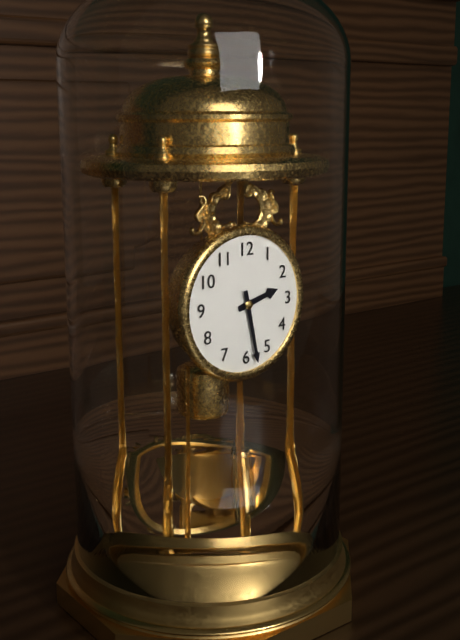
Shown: h=2 m=28
